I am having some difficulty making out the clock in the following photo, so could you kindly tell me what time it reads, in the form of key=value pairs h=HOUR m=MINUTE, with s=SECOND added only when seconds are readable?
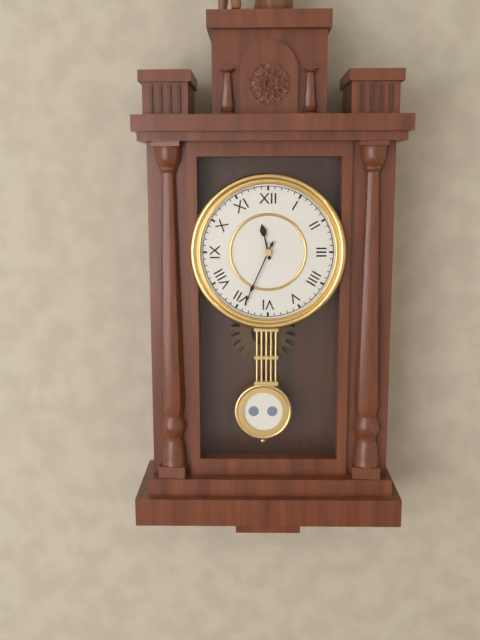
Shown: h=11 m=34
